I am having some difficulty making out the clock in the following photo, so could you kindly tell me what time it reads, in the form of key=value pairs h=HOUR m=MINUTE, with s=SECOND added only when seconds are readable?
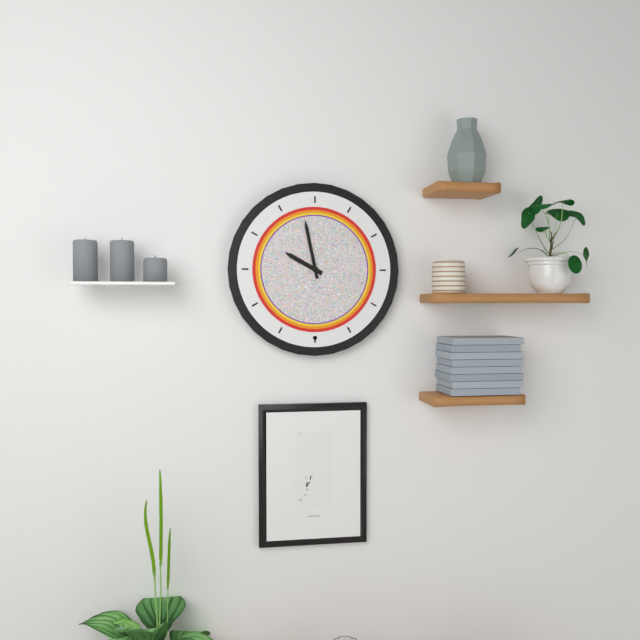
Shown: h=9 m=58
